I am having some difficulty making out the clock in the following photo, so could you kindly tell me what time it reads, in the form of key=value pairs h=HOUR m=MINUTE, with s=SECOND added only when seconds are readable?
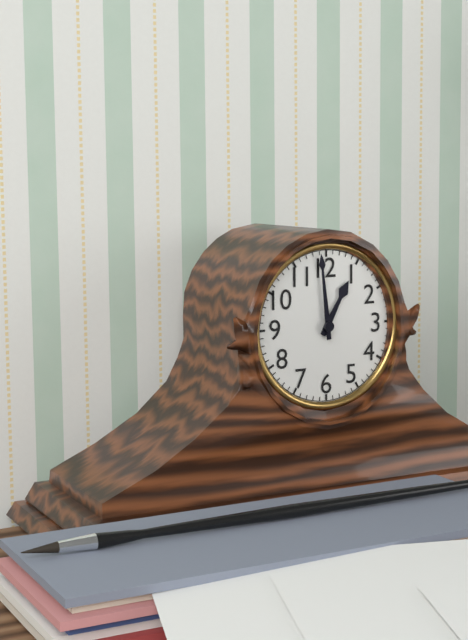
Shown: h=12 m=59
